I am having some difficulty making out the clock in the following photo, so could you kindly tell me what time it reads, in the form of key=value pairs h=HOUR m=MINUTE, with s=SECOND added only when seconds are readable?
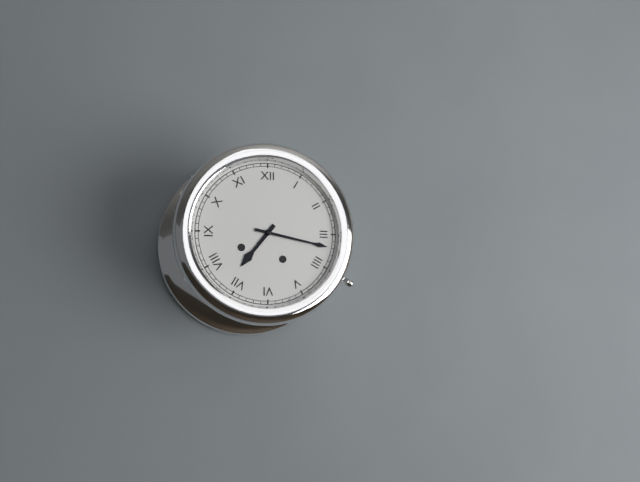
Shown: h=7 m=17
